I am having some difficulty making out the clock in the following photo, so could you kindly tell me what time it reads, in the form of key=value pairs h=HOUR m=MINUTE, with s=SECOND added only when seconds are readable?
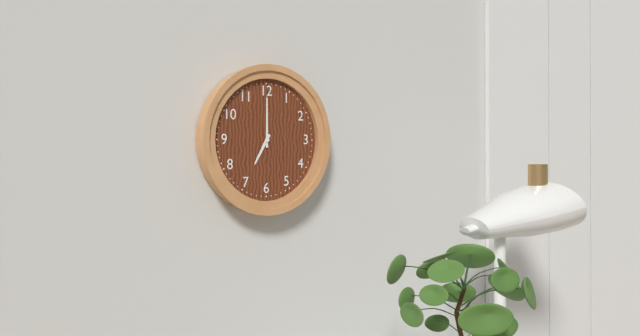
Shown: h=7 m=0
